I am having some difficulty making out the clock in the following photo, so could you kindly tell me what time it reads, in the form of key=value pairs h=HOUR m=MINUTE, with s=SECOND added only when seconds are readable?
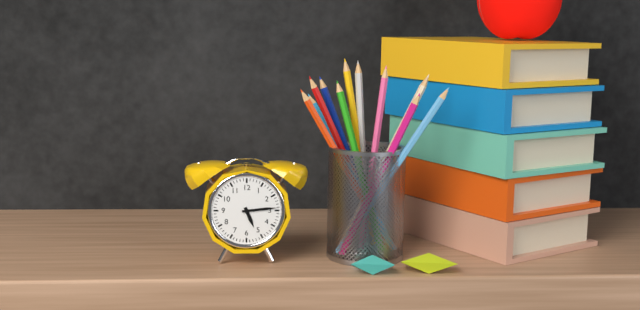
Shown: h=5 m=14
